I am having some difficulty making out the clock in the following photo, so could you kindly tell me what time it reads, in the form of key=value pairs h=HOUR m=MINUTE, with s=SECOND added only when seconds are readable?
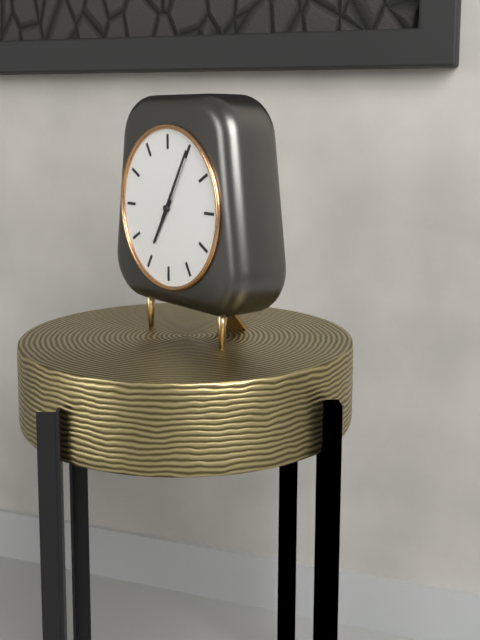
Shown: h=7 m=5
